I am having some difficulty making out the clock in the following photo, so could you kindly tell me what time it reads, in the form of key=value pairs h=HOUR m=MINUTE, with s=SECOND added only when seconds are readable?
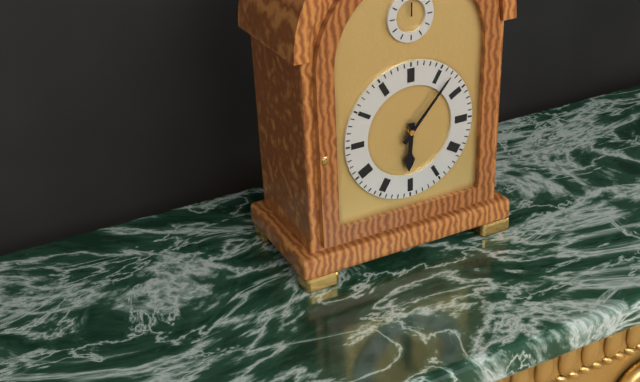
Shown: h=6 m=7
